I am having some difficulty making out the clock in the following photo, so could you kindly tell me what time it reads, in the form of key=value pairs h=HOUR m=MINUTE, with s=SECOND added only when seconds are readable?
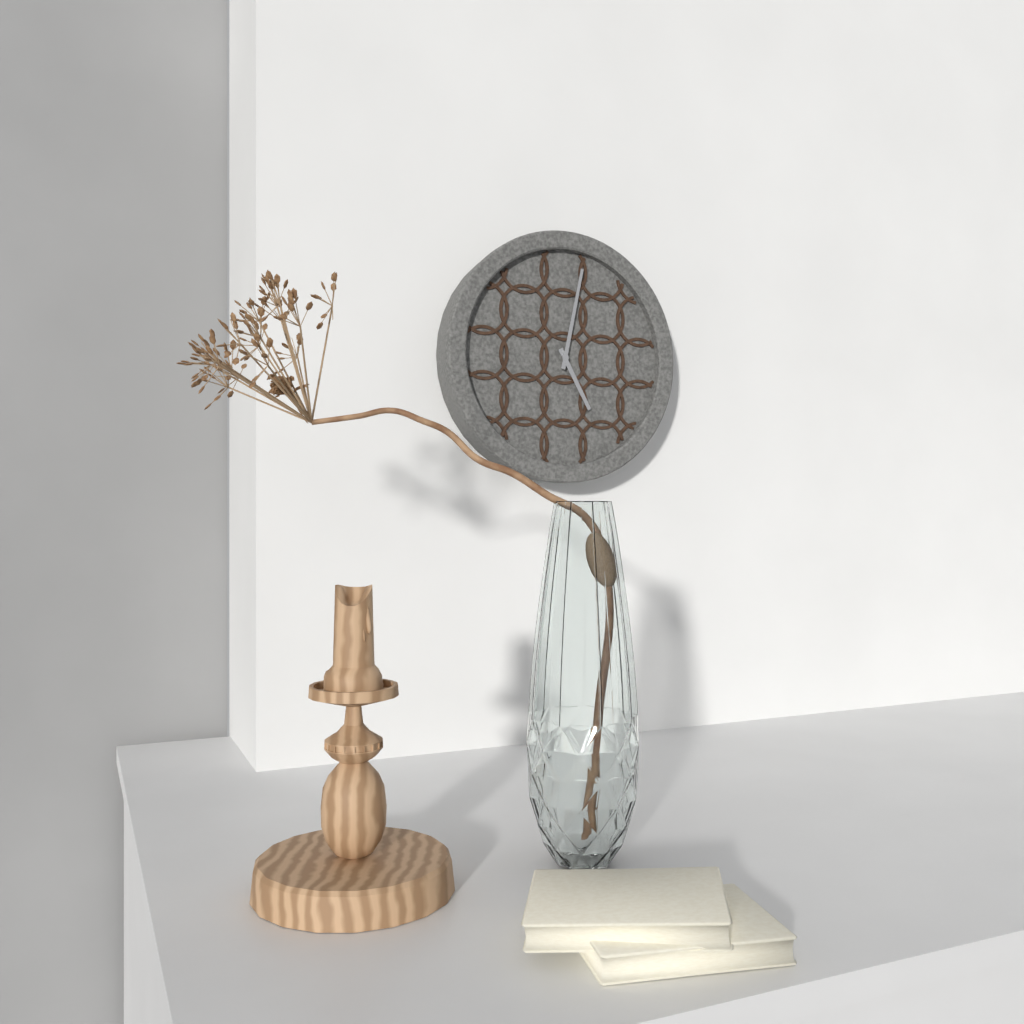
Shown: h=5 m=2
